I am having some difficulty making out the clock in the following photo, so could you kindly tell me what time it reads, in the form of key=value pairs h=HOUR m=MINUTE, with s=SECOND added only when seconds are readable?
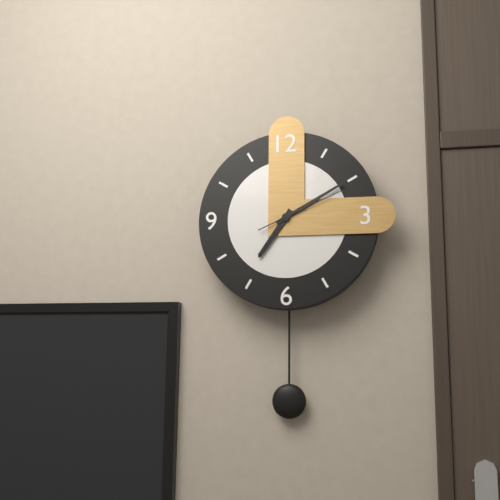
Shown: h=7 m=10 s=11
